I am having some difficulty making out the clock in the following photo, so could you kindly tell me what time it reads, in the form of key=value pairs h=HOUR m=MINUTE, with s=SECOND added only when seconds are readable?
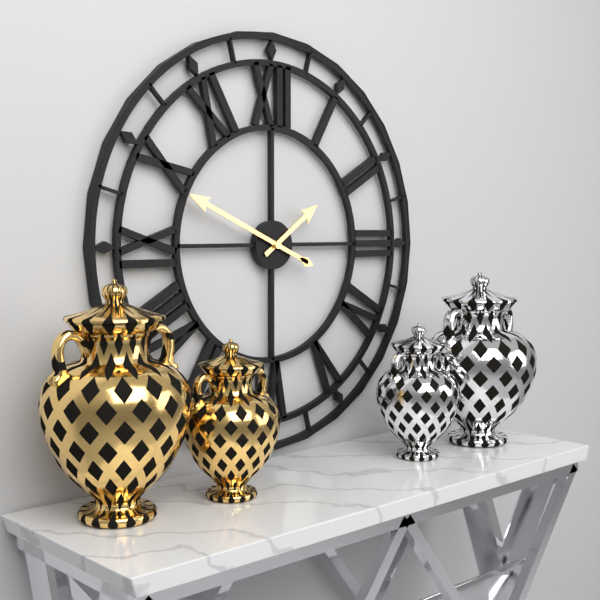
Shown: h=1 m=49
